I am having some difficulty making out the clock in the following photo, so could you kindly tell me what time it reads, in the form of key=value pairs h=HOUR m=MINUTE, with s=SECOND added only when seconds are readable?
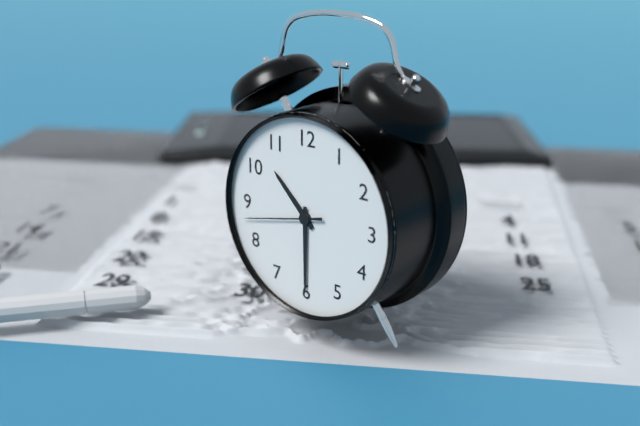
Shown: h=10 m=30 s=43
